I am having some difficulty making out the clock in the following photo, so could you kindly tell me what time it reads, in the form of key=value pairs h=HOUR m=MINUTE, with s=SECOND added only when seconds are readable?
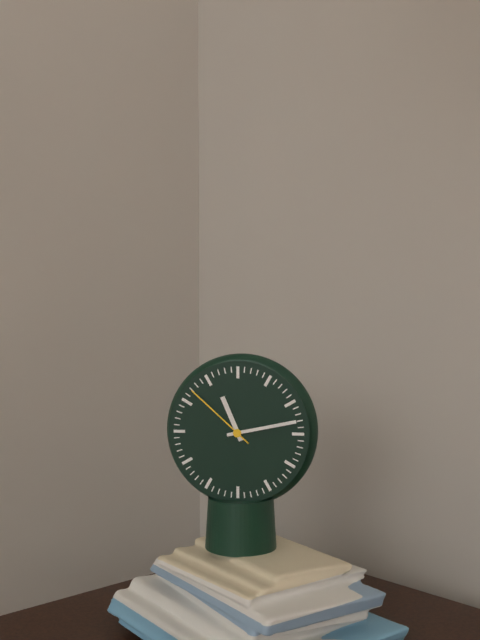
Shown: h=11 m=13 s=52
